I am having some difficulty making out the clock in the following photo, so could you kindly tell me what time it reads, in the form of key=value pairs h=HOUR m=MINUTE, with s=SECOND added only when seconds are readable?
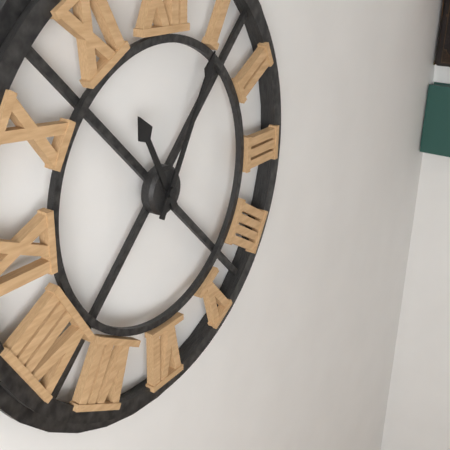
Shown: h=11 m=5
